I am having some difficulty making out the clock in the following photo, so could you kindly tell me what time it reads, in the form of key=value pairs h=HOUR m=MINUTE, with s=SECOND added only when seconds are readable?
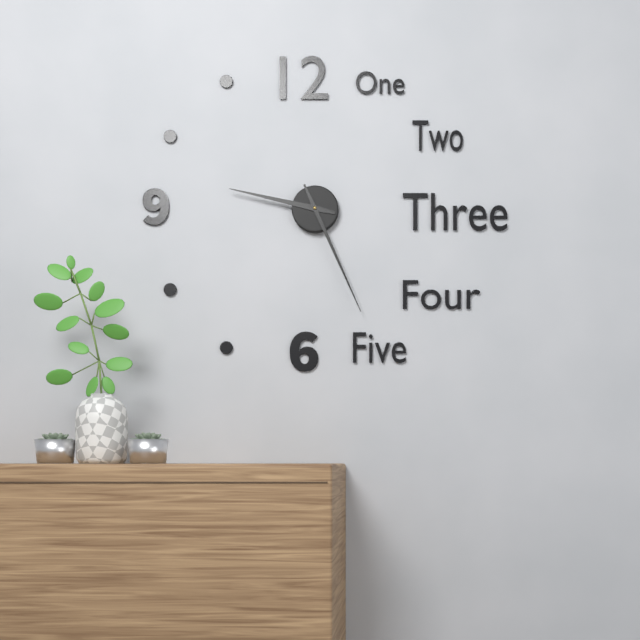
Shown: h=9 m=26
